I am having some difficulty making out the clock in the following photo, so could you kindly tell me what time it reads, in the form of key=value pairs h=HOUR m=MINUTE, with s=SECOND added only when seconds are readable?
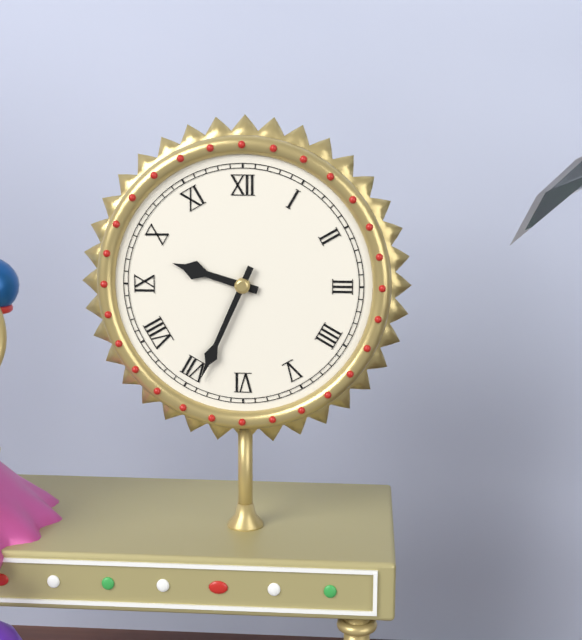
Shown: h=9 m=34
